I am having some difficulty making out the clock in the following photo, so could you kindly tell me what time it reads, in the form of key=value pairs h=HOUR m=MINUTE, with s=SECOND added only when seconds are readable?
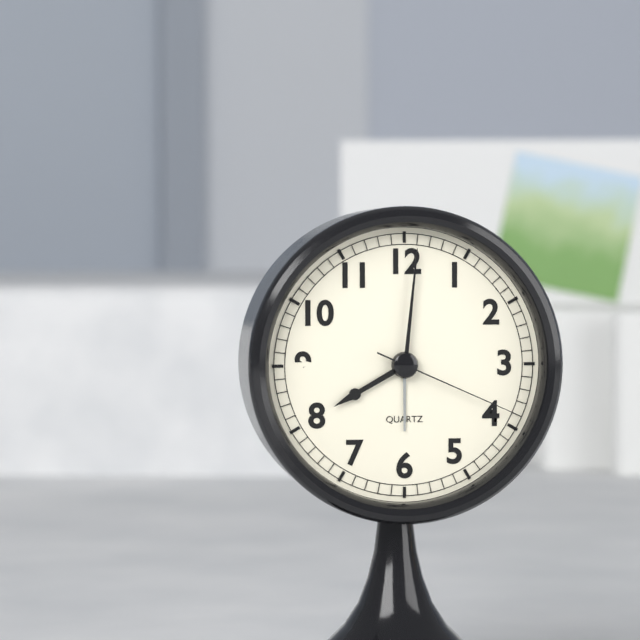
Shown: h=8 m=1 s=19
